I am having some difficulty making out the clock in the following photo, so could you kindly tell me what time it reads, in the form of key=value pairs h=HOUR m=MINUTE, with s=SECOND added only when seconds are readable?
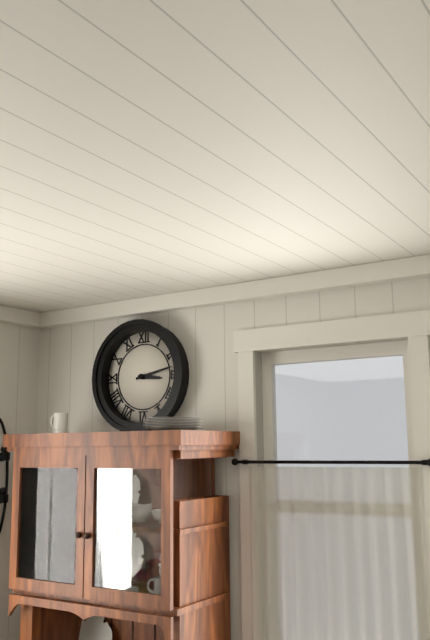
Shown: h=3 m=13
